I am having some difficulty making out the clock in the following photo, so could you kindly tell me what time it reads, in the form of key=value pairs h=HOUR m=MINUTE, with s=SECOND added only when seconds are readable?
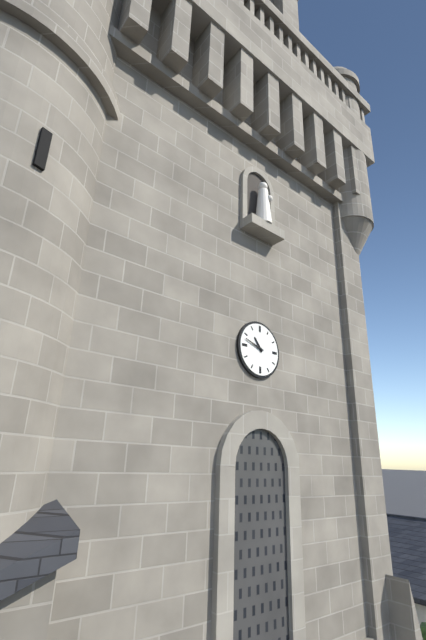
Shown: h=10 m=48
